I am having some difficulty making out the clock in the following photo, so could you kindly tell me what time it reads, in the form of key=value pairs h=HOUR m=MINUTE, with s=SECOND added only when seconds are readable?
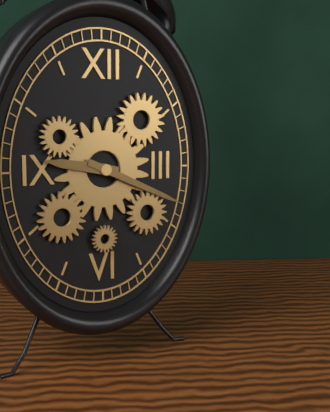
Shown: h=9 m=19
